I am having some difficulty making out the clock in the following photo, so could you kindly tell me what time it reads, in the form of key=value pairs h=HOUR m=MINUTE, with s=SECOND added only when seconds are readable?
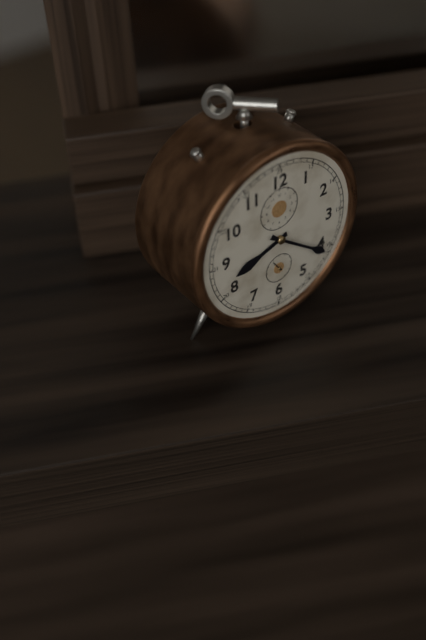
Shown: h=8 m=21
